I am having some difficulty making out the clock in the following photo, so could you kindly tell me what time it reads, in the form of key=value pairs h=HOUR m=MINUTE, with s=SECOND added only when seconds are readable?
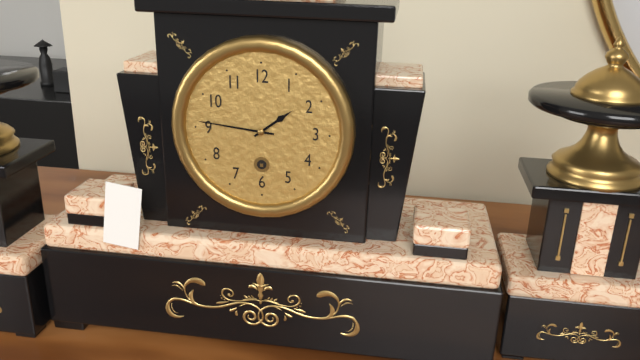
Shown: h=1 m=46
